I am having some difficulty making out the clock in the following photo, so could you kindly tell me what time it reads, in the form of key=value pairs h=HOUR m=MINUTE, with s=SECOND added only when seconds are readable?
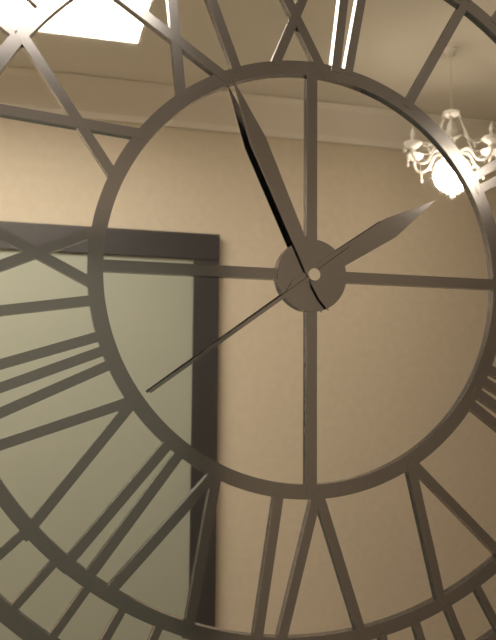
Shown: h=1 m=56 s=39
